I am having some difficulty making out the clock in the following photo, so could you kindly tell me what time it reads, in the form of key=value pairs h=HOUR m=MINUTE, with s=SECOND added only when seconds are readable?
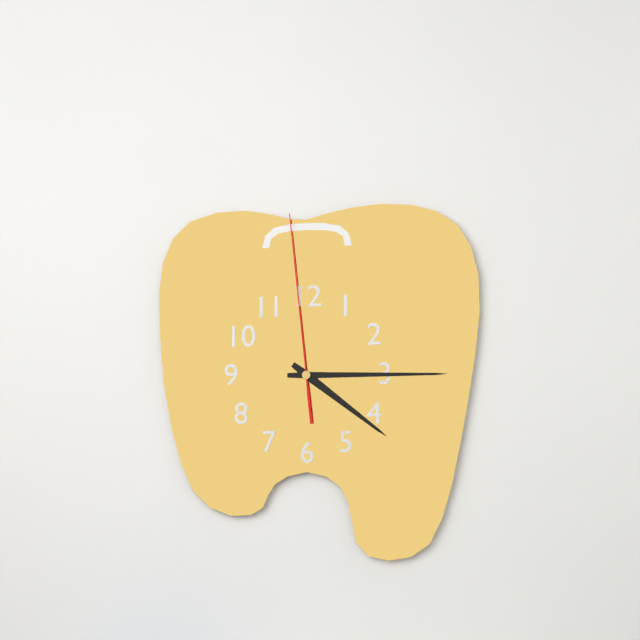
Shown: h=4 m=15 s=59
